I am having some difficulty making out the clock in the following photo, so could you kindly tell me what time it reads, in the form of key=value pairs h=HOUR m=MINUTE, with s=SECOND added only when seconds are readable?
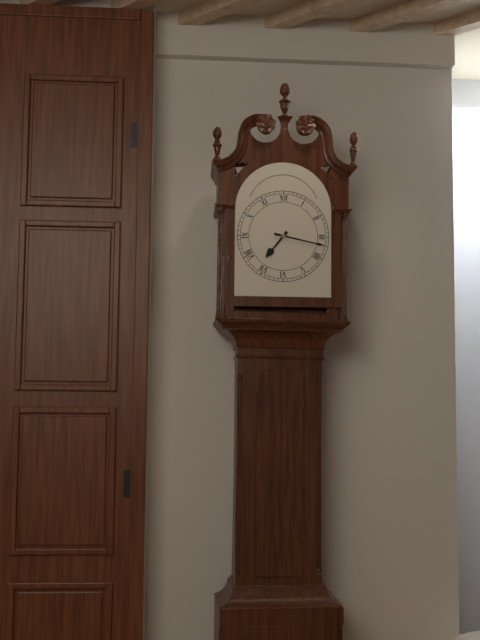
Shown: h=7 m=17
